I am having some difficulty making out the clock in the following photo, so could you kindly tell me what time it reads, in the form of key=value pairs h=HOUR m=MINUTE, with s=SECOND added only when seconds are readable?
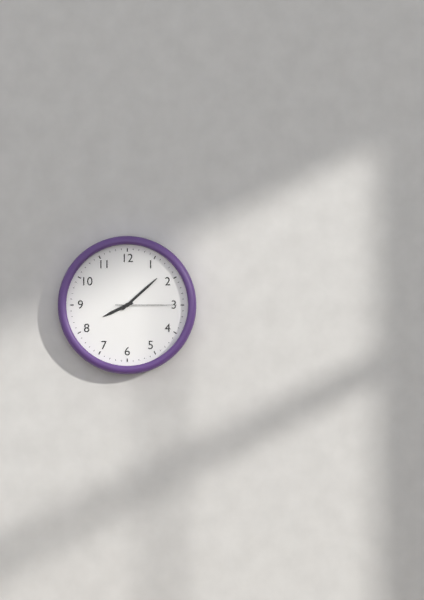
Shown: h=8 m=8 s=15
